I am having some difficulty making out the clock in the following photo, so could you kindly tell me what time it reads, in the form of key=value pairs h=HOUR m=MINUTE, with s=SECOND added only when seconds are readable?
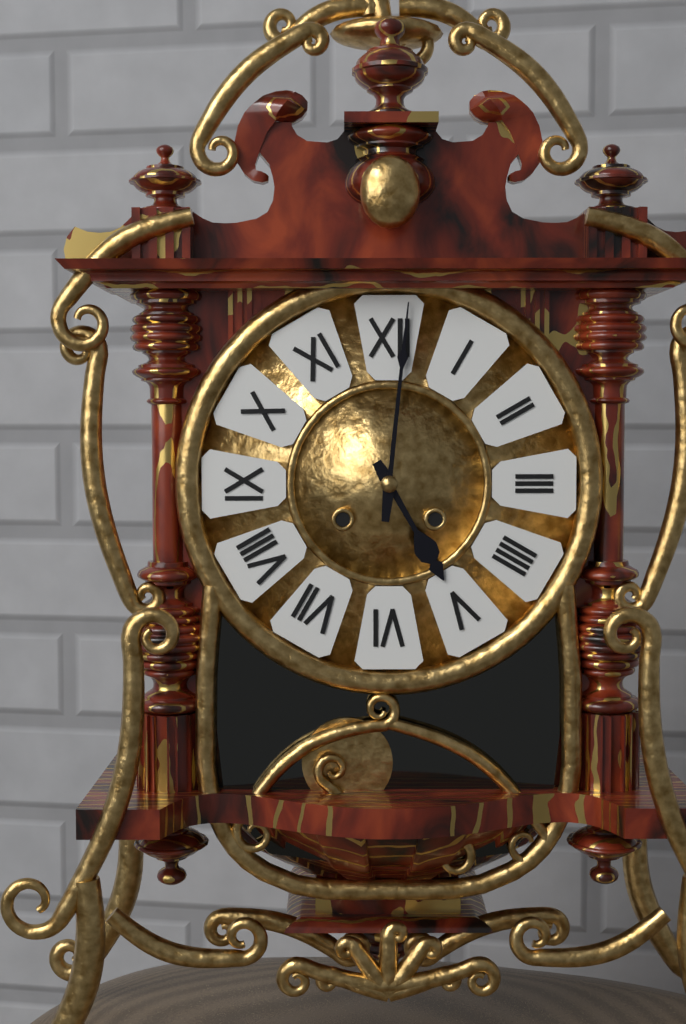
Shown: h=5 m=1
